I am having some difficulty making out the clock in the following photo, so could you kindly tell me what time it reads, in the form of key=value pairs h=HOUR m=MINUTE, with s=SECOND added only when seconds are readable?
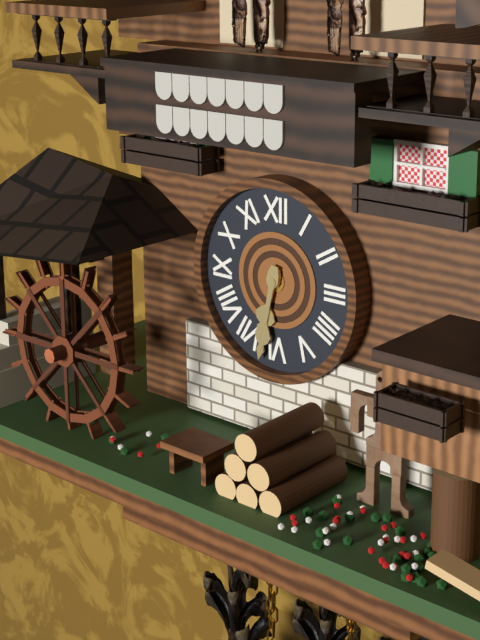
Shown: h=6 m=32
